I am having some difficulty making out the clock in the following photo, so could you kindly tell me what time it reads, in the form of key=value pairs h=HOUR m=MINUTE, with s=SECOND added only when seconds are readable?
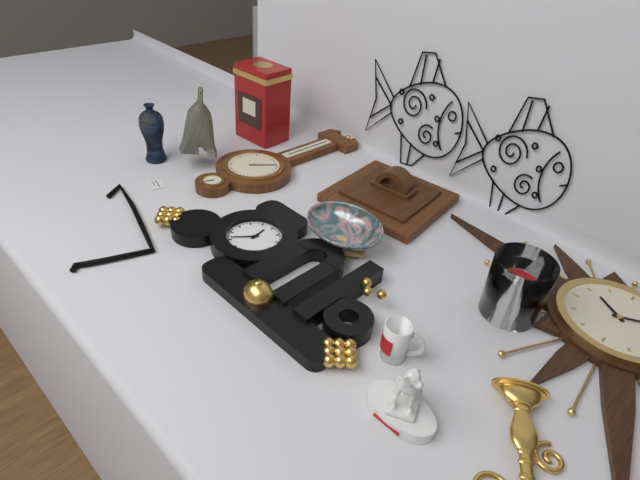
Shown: h=11 m=36
